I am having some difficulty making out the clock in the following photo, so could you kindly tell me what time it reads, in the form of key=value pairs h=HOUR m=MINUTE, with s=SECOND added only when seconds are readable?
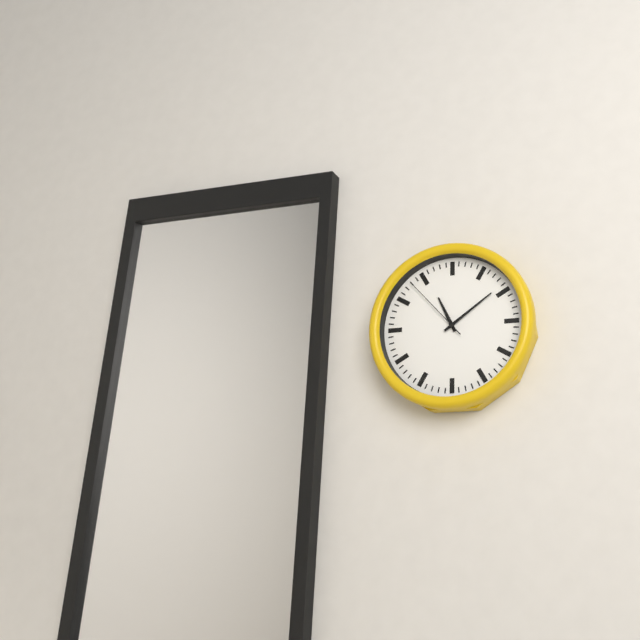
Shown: h=11 m=9 s=53
